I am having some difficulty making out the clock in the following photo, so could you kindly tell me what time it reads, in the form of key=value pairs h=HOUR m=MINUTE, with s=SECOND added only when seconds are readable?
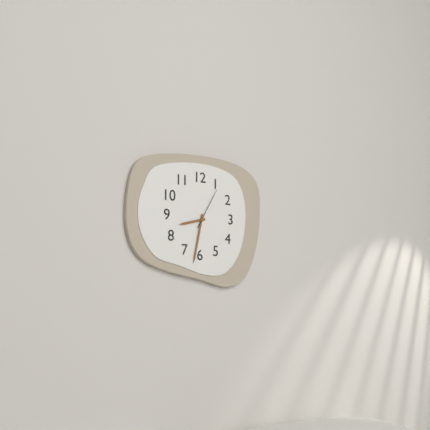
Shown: h=8 m=32
